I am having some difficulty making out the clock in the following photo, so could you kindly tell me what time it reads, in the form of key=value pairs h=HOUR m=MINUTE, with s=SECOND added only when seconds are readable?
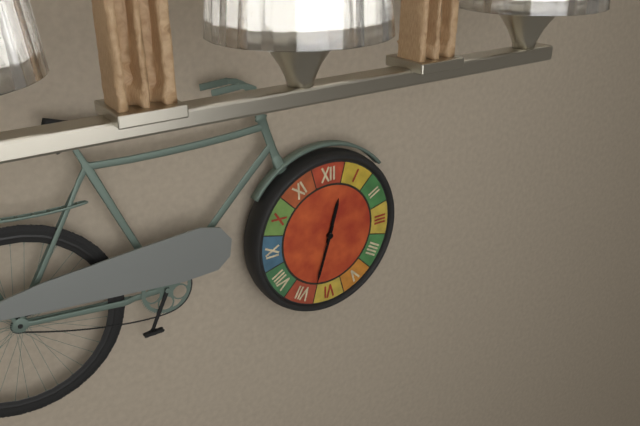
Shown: h=12 m=33
